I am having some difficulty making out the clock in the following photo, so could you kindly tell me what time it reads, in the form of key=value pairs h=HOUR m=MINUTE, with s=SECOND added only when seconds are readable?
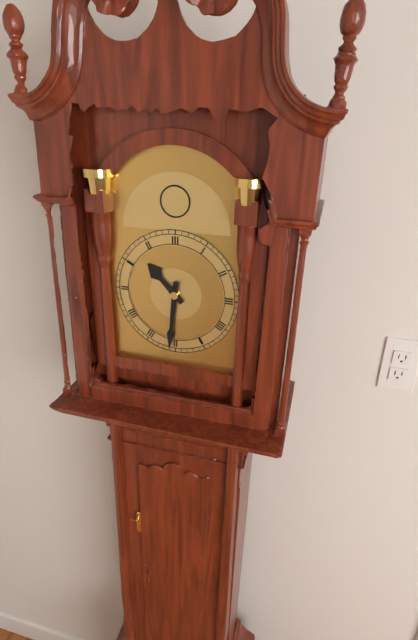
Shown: h=10 m=31
